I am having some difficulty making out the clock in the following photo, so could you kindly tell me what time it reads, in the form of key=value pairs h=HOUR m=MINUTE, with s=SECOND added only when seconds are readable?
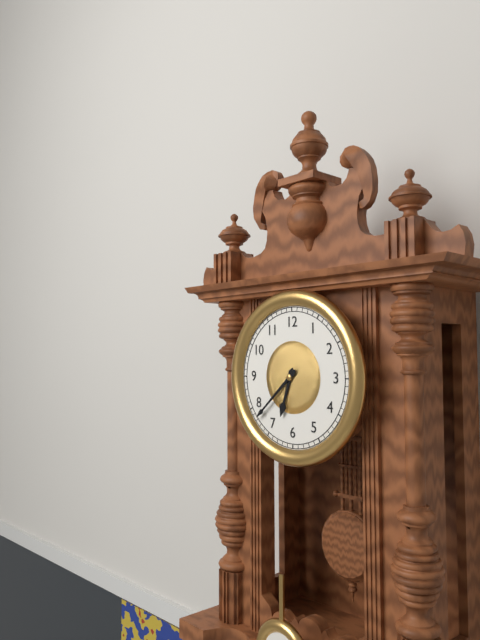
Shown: h=6 m=38
